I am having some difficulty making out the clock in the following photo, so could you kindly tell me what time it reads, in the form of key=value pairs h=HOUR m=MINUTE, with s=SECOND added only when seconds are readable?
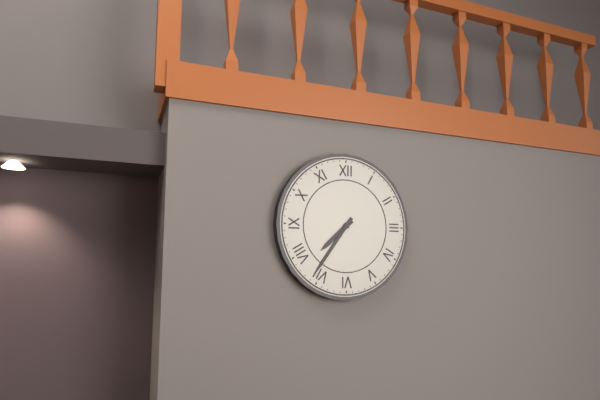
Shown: h=7 m=36
